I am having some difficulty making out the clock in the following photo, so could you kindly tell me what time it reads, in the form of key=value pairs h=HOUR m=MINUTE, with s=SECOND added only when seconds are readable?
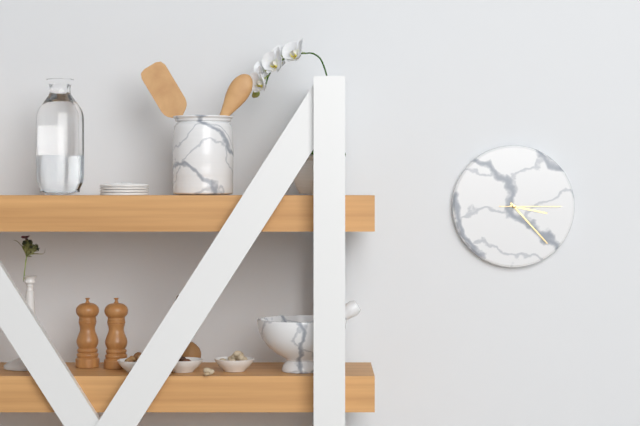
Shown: h=3 m=23 s=15
